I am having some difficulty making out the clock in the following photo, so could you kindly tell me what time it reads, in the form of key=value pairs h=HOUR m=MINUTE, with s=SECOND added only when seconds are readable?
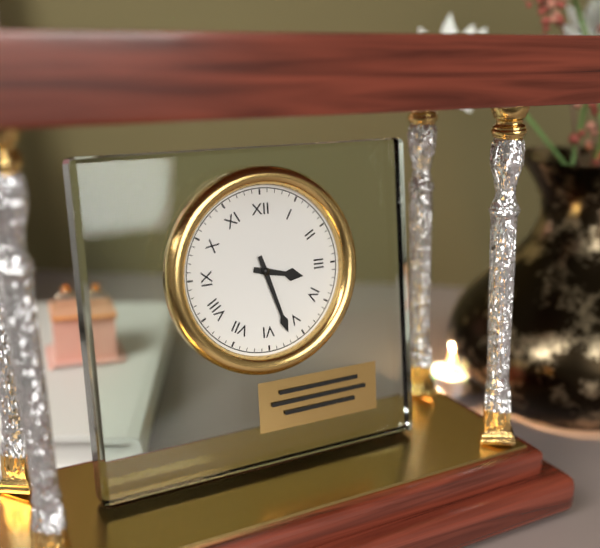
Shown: h=3 m=27
